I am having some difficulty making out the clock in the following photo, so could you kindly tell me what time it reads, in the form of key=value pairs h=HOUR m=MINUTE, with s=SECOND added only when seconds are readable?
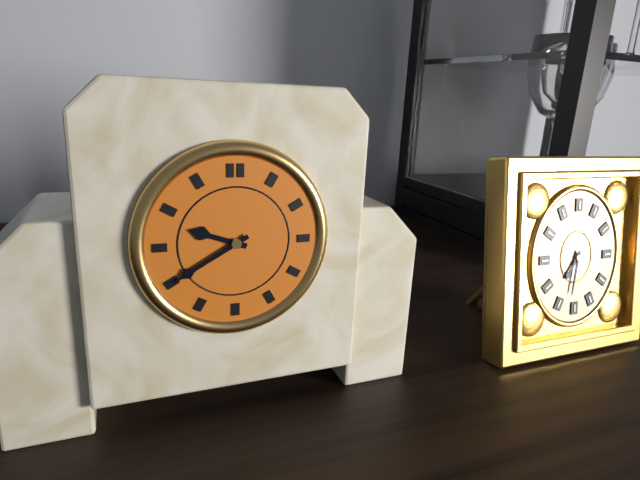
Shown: h=9 m=40
